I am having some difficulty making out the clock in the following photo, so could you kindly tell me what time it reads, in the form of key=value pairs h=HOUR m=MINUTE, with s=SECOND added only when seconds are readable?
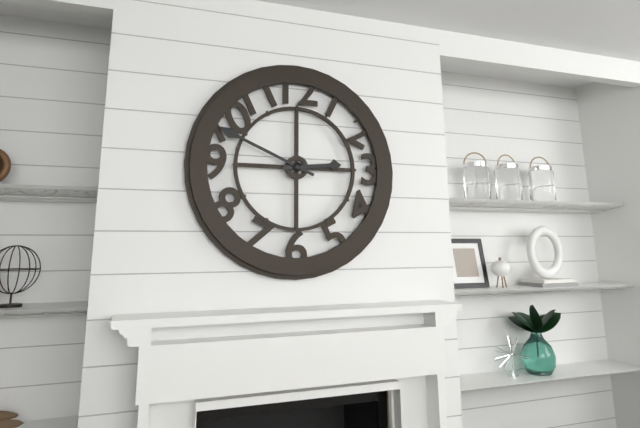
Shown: h=2 m=49
